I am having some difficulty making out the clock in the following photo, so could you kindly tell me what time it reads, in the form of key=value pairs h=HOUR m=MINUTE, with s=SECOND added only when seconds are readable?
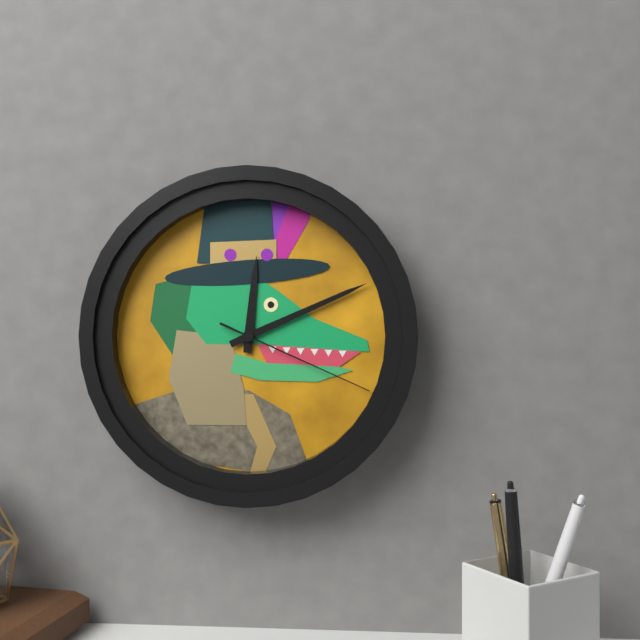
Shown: h=12 m=11 s=19
